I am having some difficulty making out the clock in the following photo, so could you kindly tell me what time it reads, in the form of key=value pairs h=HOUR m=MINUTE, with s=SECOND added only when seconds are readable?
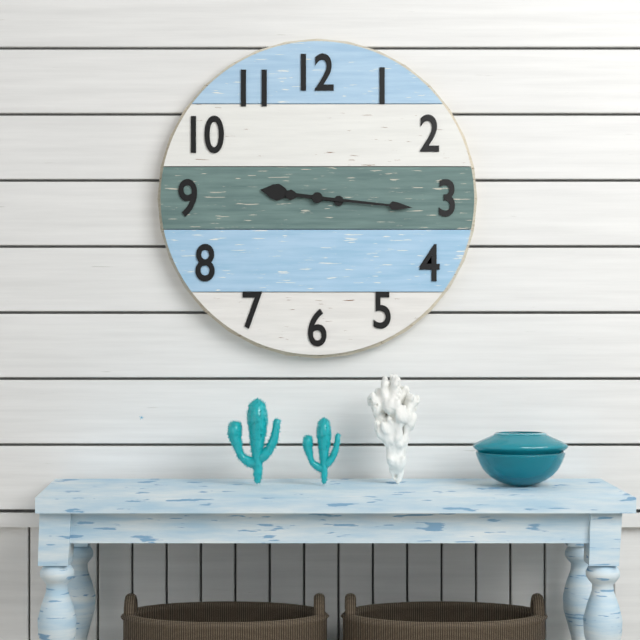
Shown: h=9 m=16
